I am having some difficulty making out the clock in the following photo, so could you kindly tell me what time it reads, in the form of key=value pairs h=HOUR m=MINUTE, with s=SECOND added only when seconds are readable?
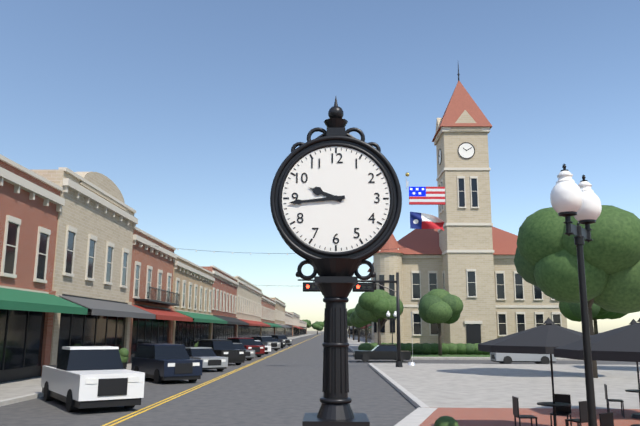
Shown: h=9 m=44
